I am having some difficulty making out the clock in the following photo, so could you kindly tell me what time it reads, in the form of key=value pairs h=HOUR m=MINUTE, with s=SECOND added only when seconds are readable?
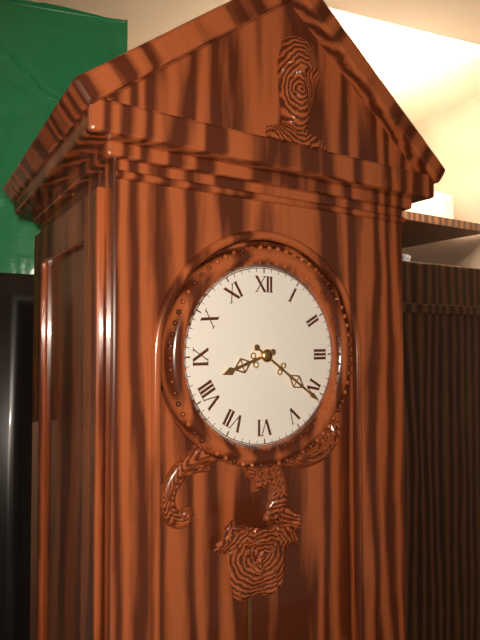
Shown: h=8 m=21
